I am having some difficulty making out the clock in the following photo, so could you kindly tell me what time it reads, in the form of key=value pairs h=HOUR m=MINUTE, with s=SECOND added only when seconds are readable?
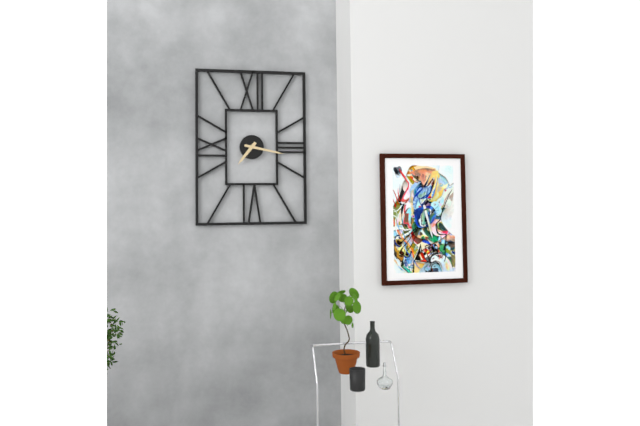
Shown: h=7 m=17
